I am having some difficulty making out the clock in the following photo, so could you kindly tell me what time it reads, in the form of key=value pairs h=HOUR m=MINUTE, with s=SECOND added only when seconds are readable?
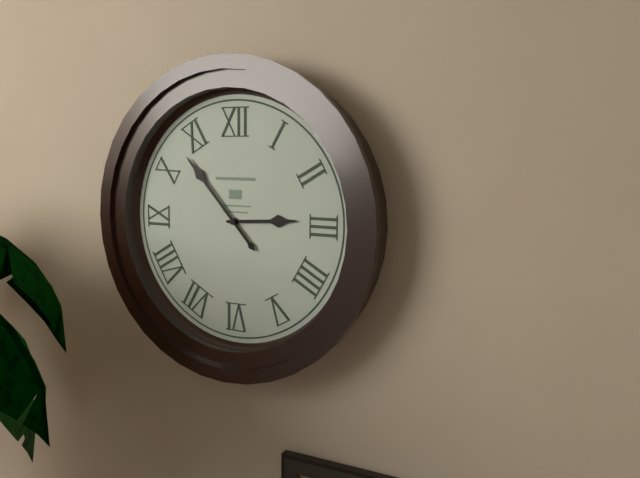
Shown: h=2 m=53
